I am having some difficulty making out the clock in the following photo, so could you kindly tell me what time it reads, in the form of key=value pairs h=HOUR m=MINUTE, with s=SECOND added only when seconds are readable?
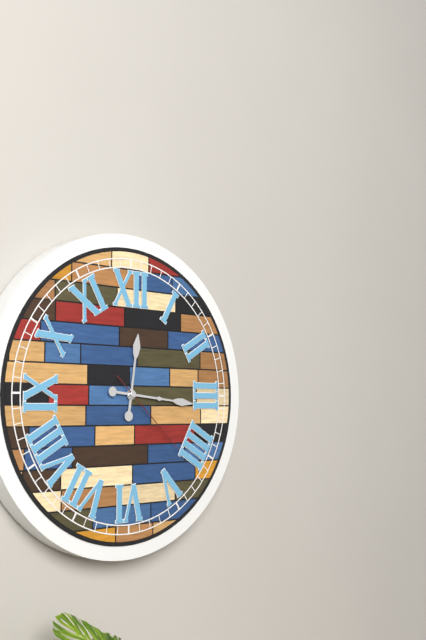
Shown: h=12 m=16 s=22
